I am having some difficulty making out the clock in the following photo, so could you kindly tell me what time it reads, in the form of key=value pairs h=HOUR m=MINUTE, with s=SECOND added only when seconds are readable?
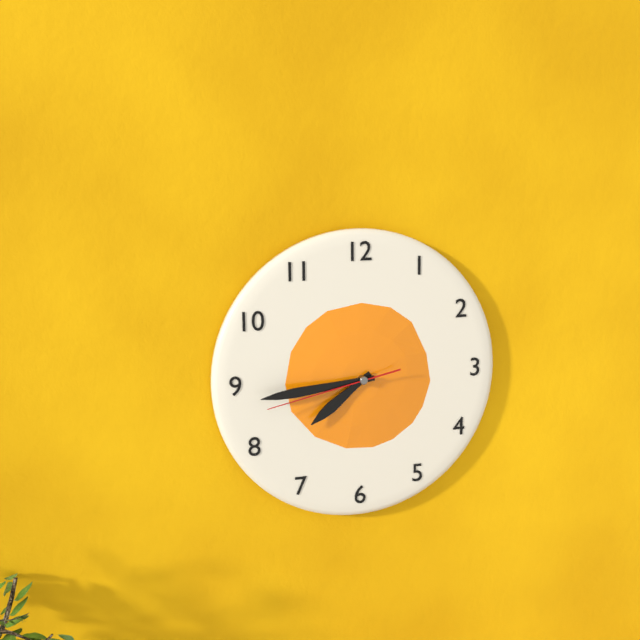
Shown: h=7 m=44 s=43
